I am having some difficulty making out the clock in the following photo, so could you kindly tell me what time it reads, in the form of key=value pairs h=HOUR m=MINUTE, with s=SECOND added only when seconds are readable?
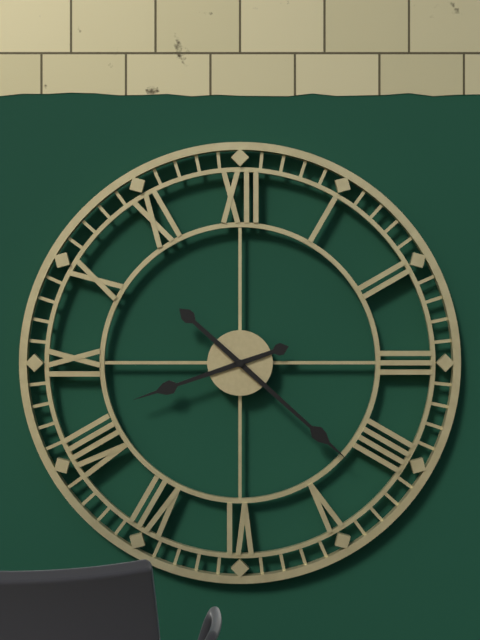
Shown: h=8 m=22
